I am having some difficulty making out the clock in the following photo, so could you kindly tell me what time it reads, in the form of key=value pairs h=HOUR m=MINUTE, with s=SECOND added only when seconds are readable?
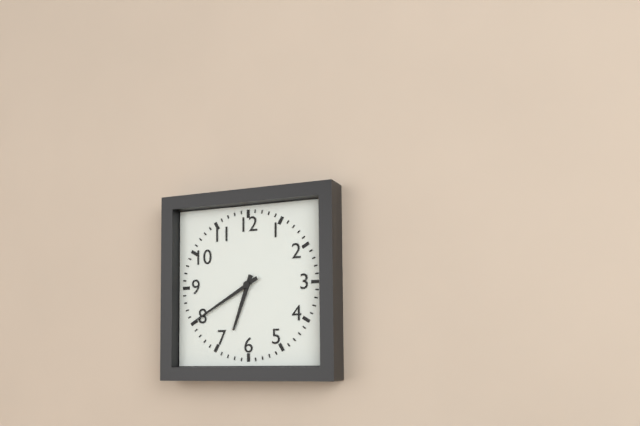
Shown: h=6 m=40
